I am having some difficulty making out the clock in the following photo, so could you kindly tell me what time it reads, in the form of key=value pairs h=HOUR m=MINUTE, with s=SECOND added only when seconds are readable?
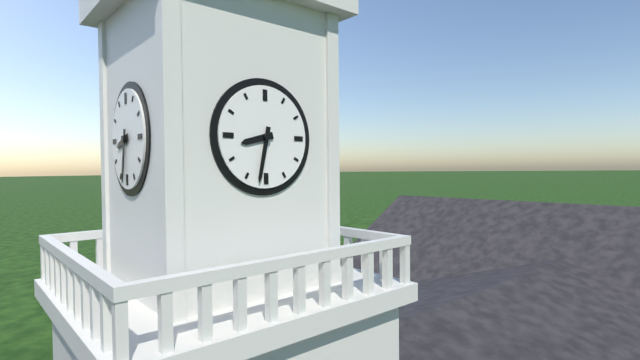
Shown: h=8 m=32
